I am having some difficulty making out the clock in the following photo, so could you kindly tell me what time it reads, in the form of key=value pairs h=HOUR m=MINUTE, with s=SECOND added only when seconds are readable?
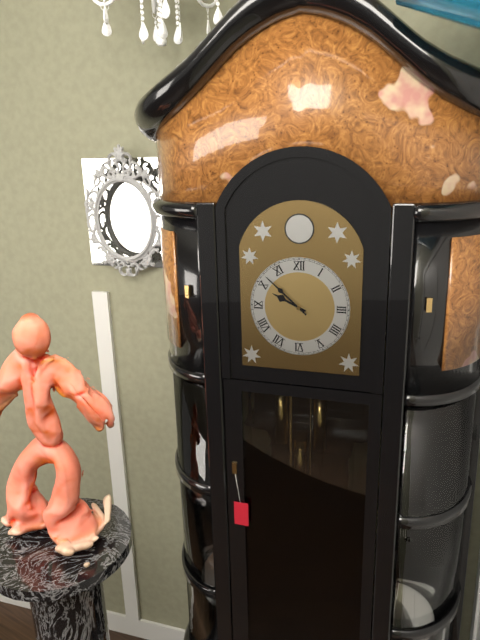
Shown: h=9 m=52
